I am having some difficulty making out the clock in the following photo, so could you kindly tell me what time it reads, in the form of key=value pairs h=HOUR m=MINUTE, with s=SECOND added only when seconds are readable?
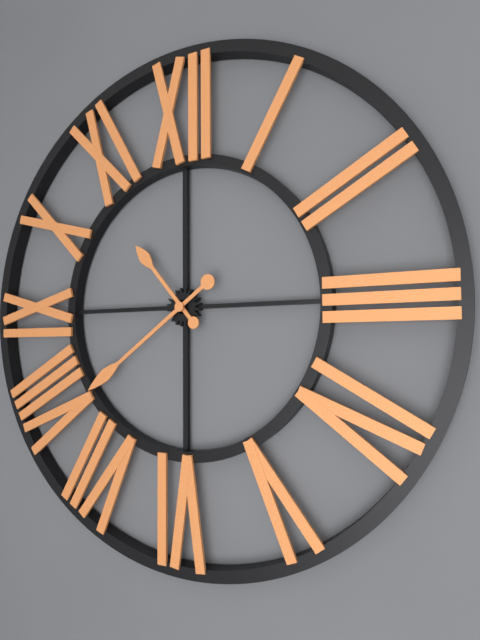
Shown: h=10 m=39
